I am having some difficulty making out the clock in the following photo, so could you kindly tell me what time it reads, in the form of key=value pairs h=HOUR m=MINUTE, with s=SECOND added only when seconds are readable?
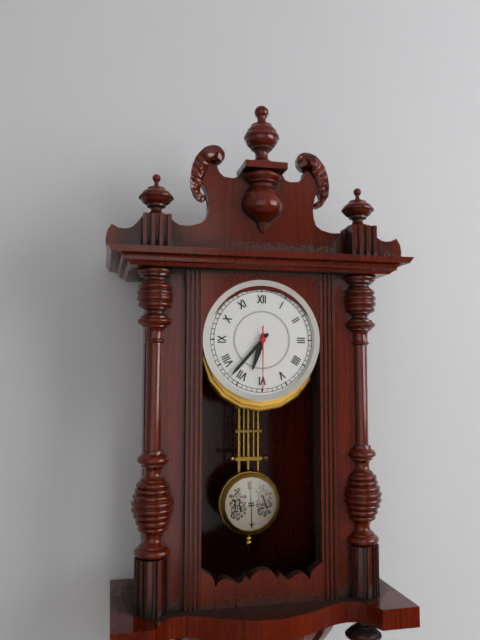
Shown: h=6 m=37 s=30
